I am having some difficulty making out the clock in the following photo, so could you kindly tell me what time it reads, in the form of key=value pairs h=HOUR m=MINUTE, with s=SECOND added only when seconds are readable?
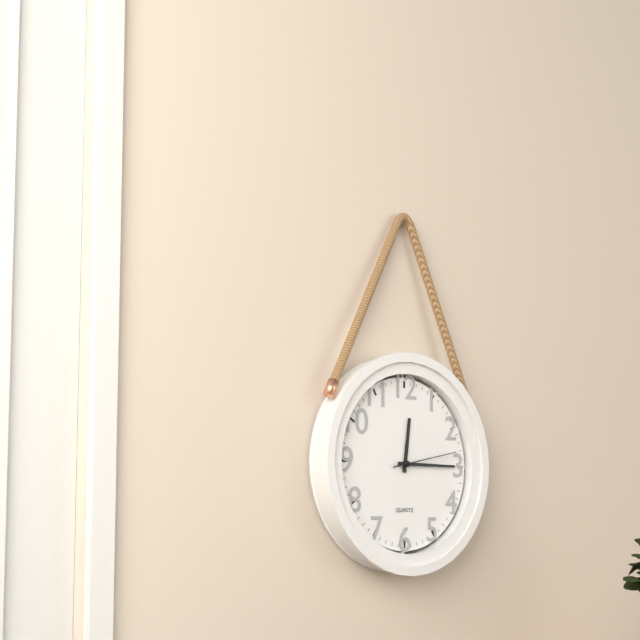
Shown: h=12 m=15 s=13
